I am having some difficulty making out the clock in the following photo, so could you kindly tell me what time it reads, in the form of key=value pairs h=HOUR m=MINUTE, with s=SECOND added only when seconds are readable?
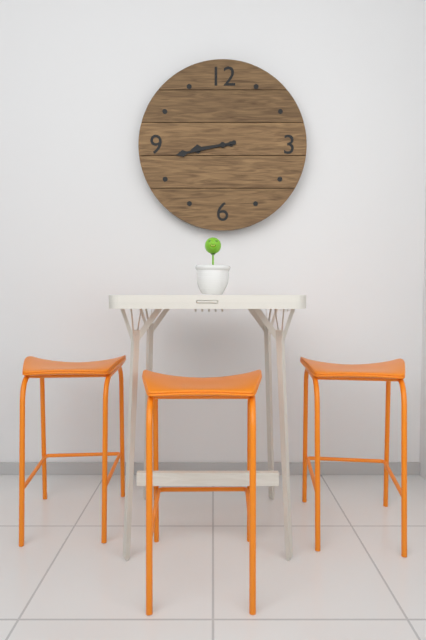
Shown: h=8 m=43
